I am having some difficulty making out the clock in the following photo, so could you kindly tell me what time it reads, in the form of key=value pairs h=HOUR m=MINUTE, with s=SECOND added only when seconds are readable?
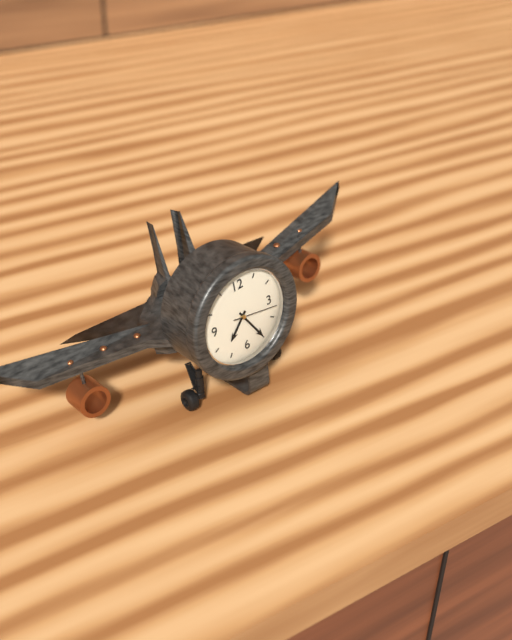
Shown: h=7 m=25 s=17
